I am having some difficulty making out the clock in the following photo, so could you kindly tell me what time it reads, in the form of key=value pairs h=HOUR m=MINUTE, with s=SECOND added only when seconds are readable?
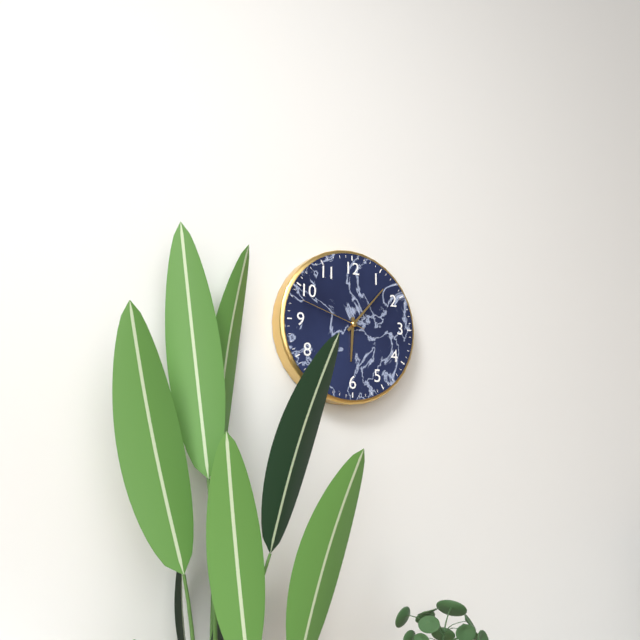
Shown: h=6 m=7 s=48
